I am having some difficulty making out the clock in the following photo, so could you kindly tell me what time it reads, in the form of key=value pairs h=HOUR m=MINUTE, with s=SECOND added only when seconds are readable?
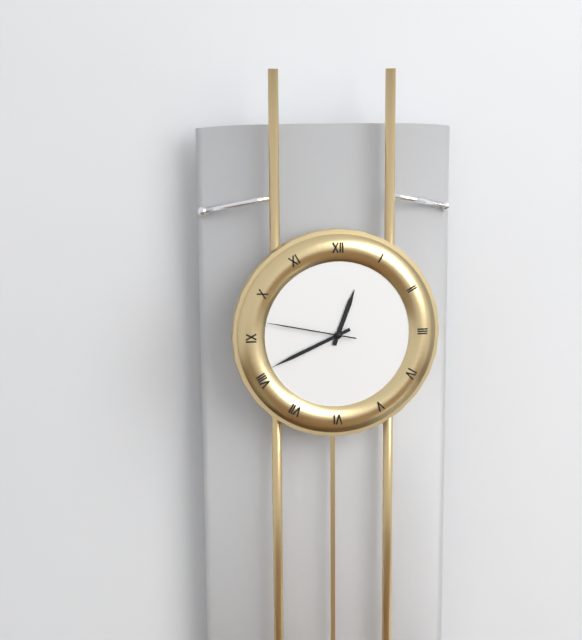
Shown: h=12 m=41 s=47
